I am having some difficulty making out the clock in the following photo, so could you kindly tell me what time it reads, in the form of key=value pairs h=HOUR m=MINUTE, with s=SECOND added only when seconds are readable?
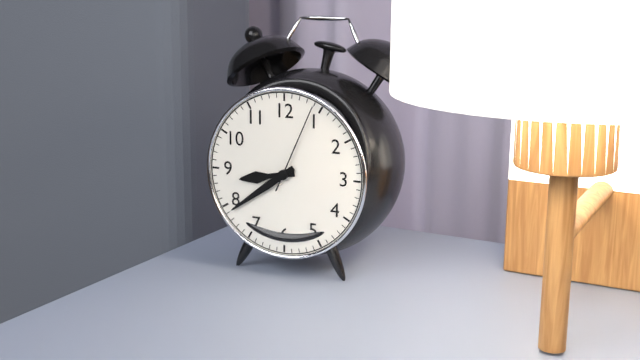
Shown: h=8 m=39 s=4
